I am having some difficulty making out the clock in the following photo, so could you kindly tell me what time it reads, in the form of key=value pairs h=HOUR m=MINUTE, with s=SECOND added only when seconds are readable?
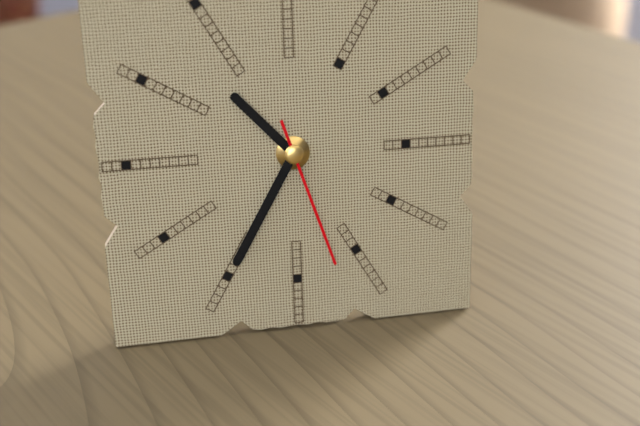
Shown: h=10 m=35 s=27
